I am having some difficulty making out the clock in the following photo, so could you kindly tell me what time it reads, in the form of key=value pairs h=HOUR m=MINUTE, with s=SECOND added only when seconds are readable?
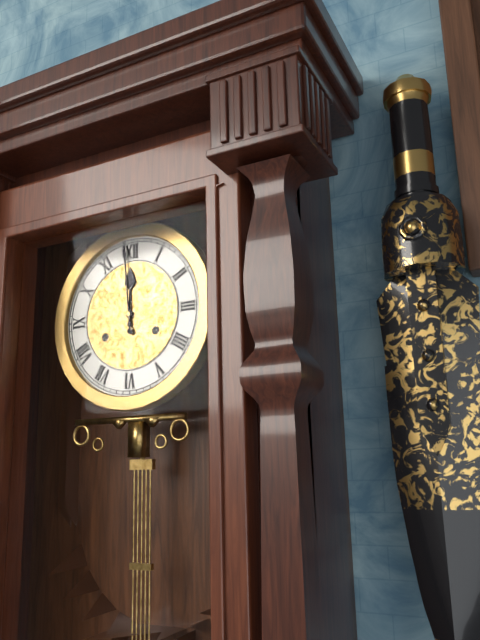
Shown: h=11 m=59
